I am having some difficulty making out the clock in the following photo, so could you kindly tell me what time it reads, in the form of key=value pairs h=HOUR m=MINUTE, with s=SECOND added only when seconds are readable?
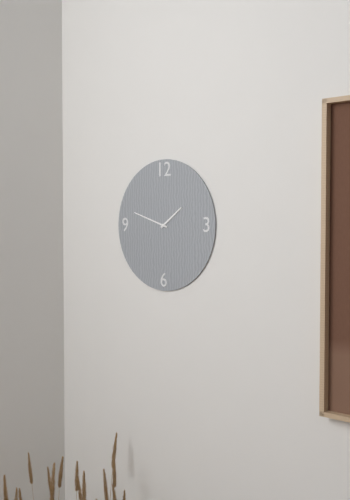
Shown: h=1 m=48
